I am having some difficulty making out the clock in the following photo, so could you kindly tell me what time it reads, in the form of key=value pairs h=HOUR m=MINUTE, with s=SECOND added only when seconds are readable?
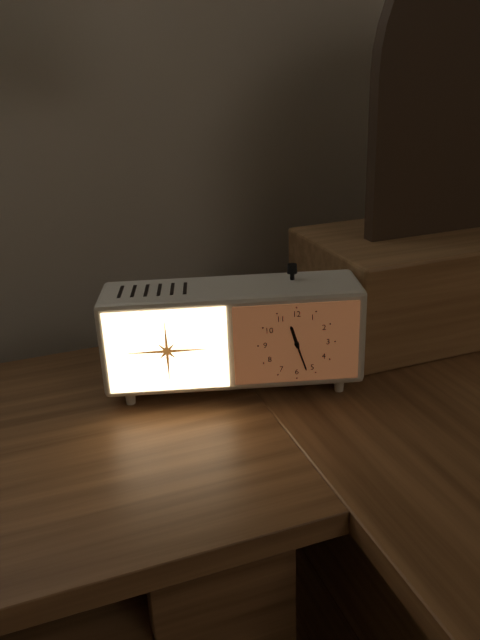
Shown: h=11 m=27
